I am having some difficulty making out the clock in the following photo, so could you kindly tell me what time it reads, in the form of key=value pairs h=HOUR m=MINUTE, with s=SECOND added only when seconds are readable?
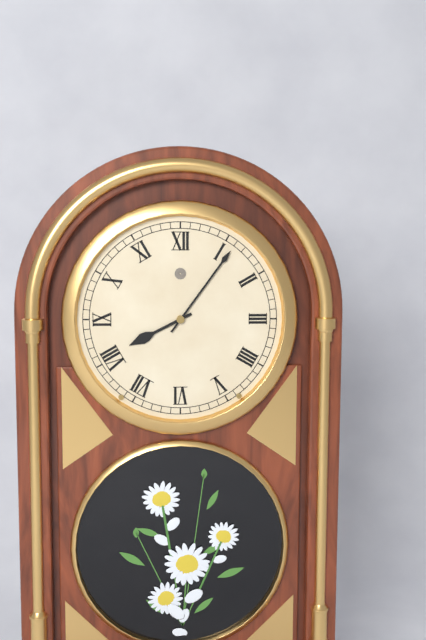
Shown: h=8 m=6
